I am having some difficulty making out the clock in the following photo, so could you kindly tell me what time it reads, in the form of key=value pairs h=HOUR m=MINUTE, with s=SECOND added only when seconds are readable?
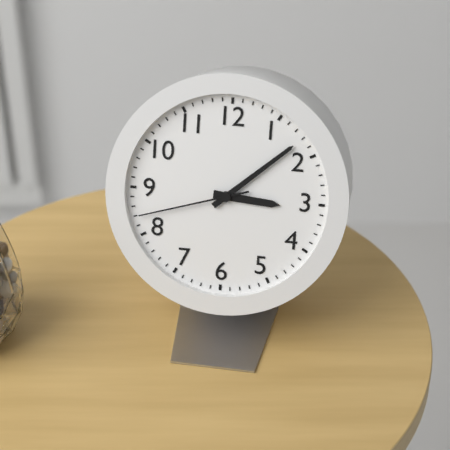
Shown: h=3 m=8 s=42
